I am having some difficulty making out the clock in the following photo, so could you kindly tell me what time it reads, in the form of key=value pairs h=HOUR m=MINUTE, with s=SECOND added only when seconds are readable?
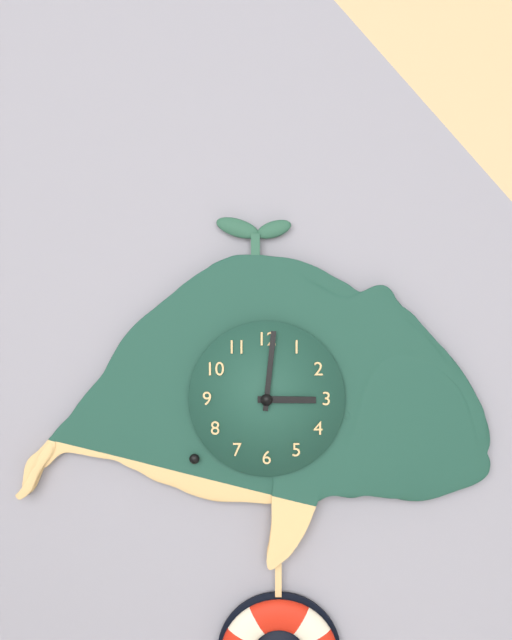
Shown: h=3 m=1
